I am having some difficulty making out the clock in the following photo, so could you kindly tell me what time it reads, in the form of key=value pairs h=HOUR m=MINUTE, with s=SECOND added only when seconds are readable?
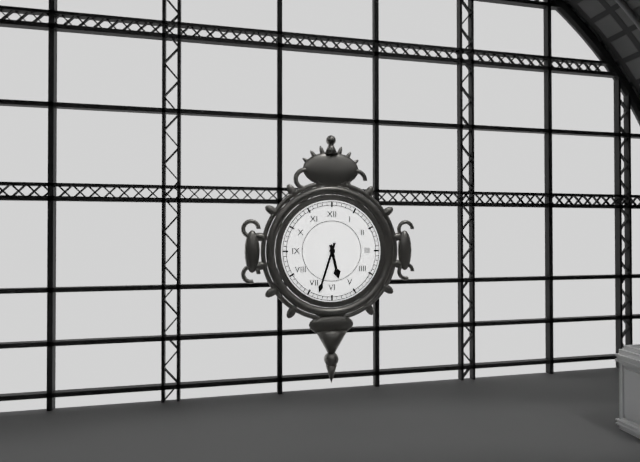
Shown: h=5 m=33
